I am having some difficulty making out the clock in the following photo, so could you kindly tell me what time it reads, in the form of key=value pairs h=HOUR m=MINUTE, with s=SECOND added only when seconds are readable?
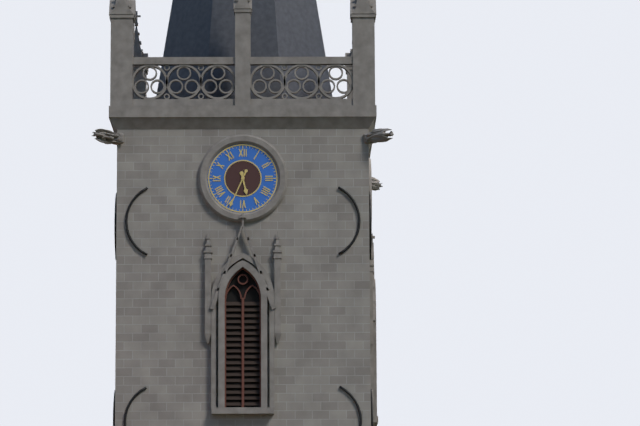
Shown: h=5 m=34
